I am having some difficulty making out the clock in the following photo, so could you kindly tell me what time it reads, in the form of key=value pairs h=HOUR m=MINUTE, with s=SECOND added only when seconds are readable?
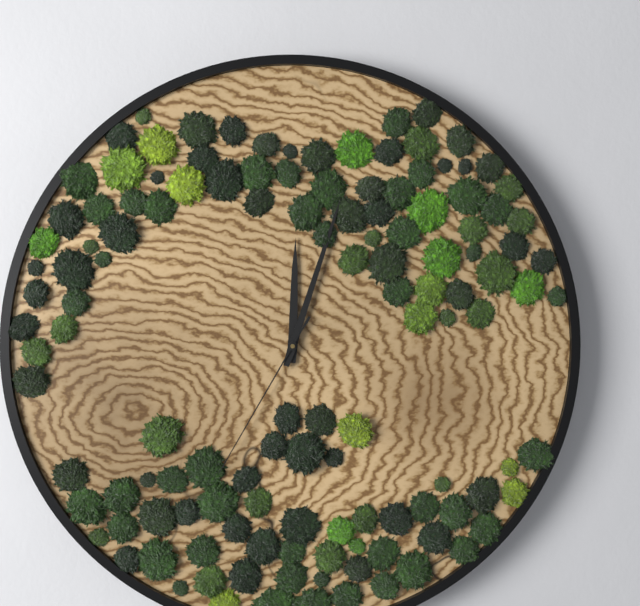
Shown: h=12 m=3 s=35
